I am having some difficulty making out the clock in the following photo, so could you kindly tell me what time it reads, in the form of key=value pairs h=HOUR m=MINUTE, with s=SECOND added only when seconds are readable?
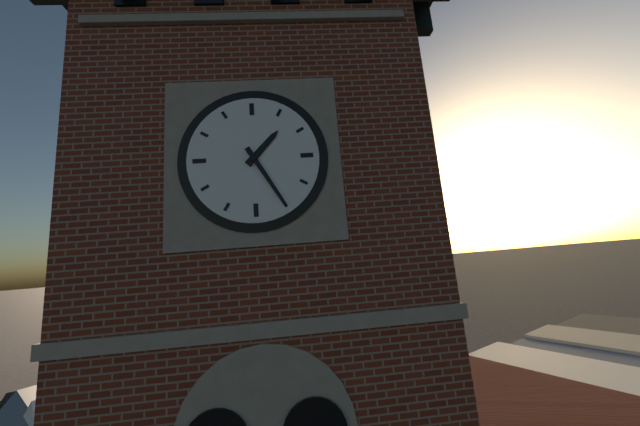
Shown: h=1 m=25
